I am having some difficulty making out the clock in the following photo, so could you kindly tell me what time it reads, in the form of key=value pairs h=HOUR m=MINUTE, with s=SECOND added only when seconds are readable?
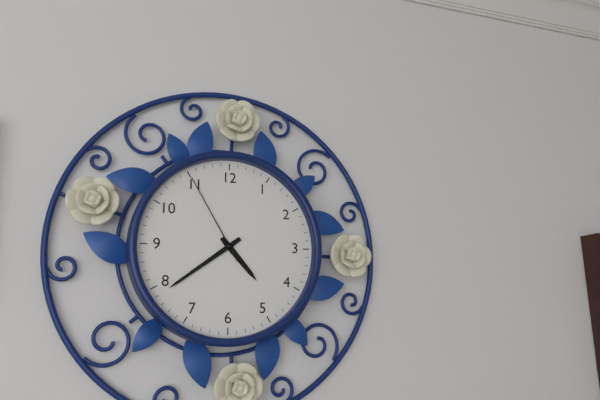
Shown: h=4 m=39 s=55
